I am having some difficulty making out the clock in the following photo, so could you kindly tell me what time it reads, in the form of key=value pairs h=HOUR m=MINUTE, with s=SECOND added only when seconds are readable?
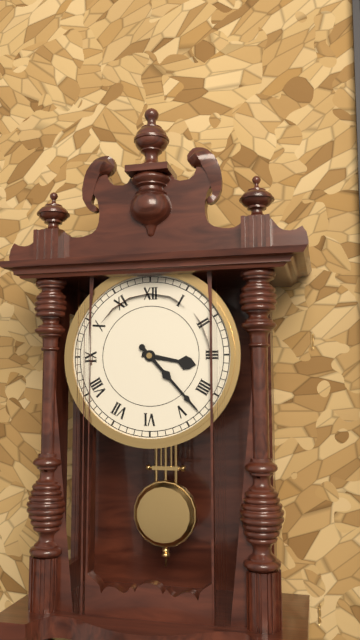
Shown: h=3 m=23
